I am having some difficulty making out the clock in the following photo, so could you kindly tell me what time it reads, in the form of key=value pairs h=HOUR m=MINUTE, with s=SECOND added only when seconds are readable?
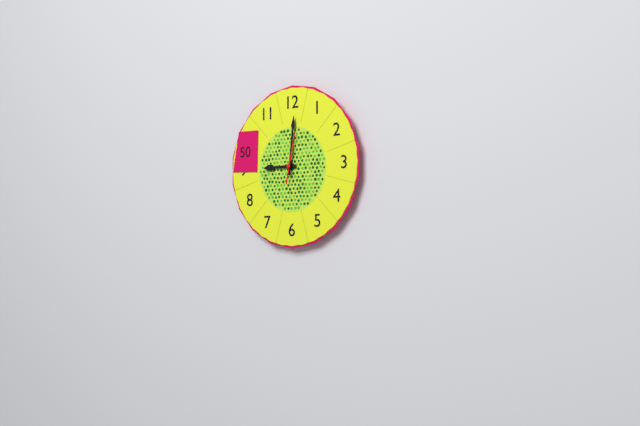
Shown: h=9 m=1
